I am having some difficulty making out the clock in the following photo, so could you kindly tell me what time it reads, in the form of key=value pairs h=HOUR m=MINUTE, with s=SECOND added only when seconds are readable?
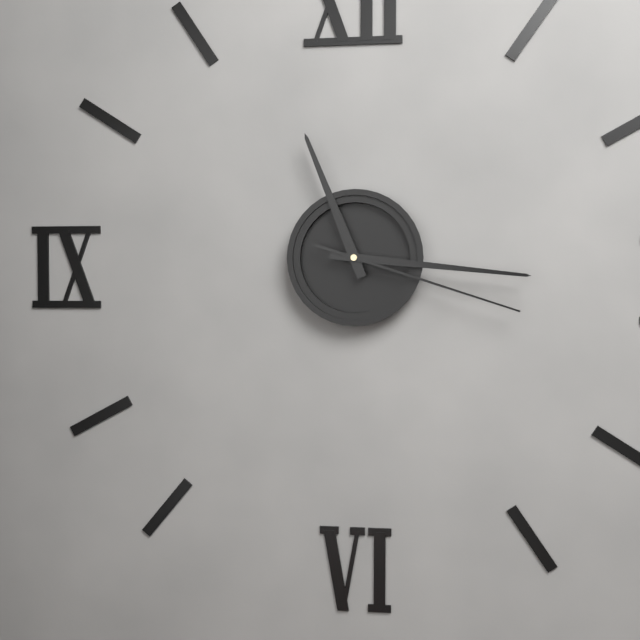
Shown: h=11 m=16 s=18
